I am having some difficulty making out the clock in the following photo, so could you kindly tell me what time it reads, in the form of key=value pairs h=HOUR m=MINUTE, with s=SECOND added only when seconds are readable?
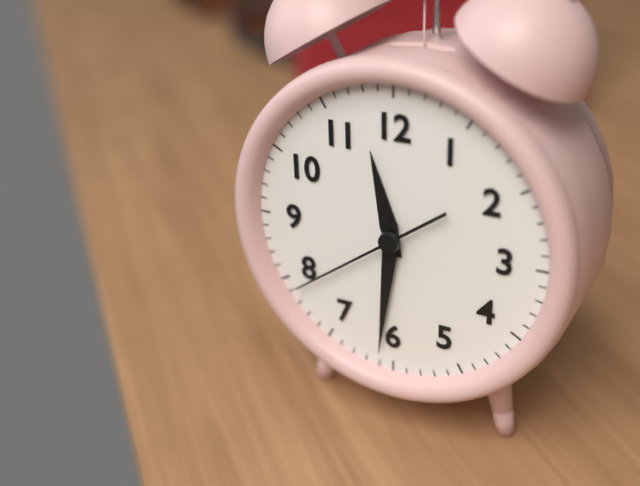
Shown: h=11 m=31 s=39
